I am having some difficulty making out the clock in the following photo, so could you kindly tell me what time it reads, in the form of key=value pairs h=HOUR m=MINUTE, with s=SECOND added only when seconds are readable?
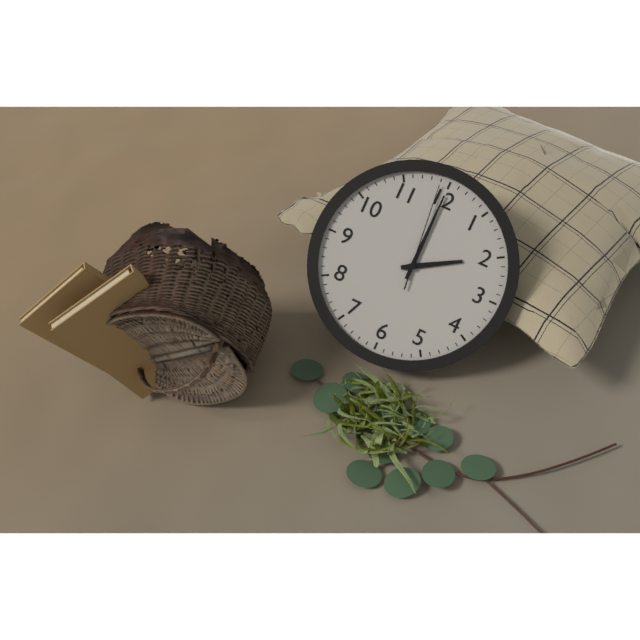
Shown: h=2 m=0 s=59
